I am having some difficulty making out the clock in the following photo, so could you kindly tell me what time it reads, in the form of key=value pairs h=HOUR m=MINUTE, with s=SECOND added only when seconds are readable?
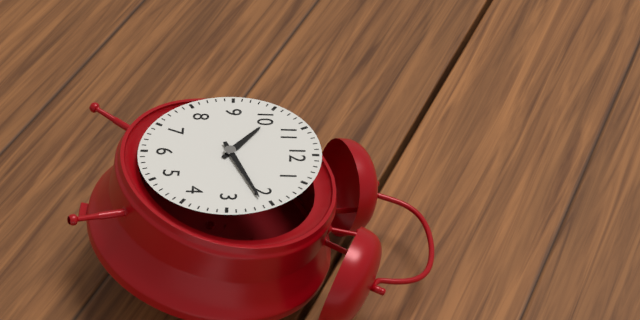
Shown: h=10 m=11
